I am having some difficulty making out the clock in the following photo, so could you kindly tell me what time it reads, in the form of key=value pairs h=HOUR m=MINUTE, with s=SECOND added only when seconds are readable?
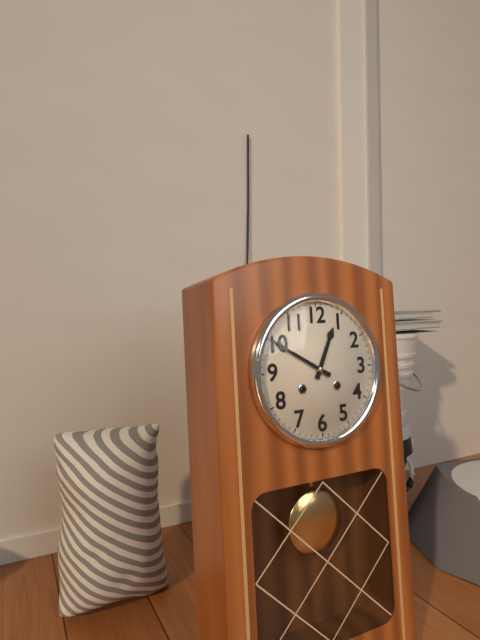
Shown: h=12 m=50
